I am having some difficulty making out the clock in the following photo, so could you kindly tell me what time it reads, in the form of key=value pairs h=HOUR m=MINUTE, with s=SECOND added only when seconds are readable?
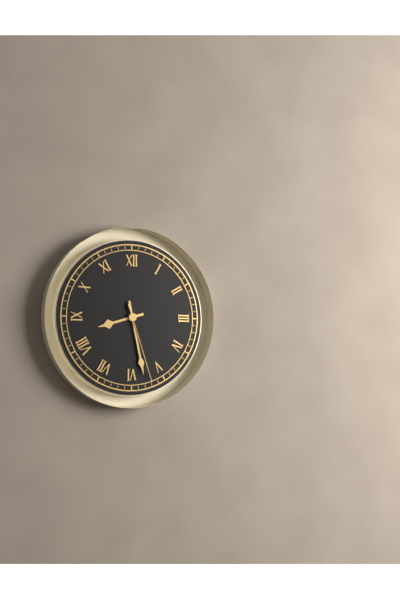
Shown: h=8 m=28 s=27
